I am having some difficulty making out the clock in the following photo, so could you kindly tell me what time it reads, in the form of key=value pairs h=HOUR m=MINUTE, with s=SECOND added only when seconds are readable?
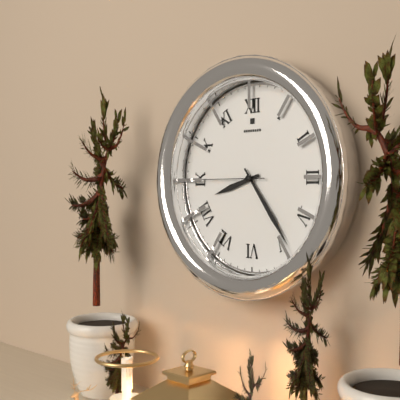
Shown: h=8 m=24 s=45
